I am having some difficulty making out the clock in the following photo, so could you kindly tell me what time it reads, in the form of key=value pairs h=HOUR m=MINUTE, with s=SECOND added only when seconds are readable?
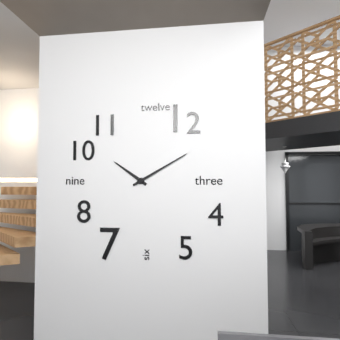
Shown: h=10 m=10
